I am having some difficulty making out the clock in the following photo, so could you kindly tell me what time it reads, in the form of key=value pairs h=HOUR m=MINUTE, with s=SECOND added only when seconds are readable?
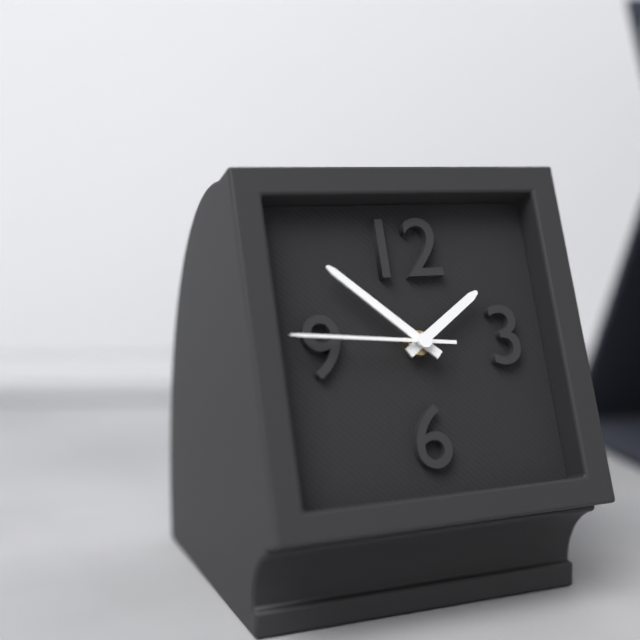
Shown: h=1 m=52 s=46
